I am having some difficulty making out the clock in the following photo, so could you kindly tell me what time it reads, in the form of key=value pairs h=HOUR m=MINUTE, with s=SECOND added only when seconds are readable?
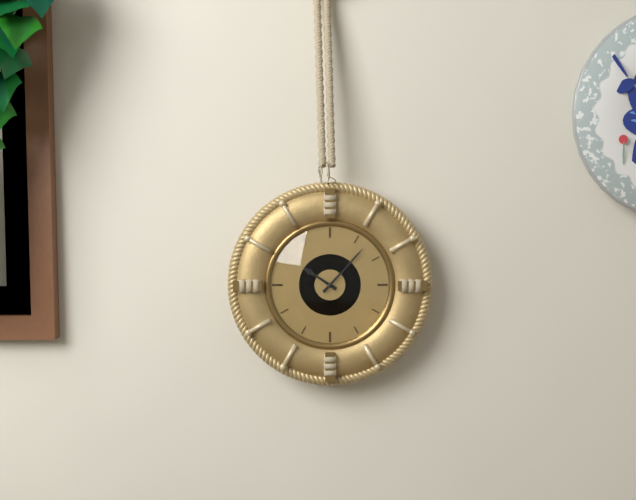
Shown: h=10 m=7
